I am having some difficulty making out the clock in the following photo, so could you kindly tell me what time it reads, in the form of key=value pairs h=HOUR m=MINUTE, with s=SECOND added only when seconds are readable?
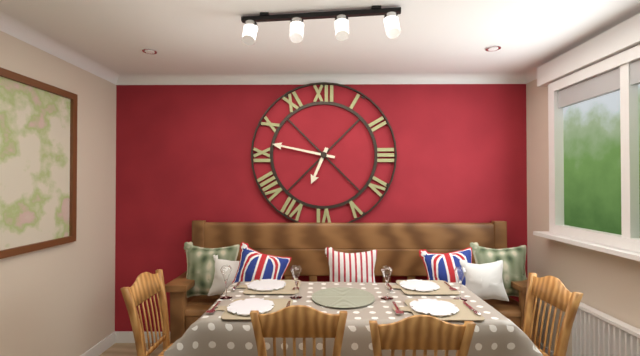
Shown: h=6 m=47
